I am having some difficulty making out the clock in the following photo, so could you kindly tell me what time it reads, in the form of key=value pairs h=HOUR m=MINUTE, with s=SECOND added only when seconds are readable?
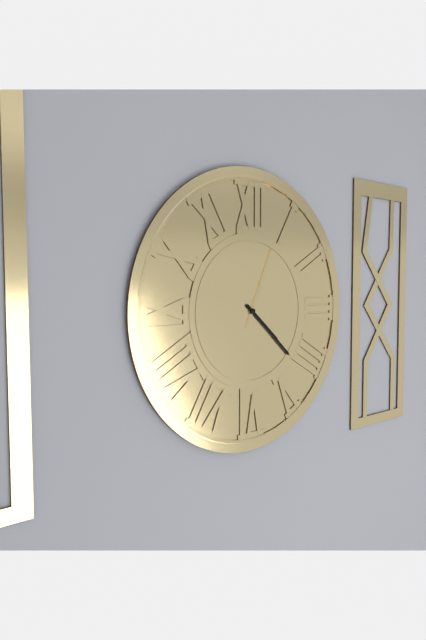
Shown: h=4 m=22 s=4
